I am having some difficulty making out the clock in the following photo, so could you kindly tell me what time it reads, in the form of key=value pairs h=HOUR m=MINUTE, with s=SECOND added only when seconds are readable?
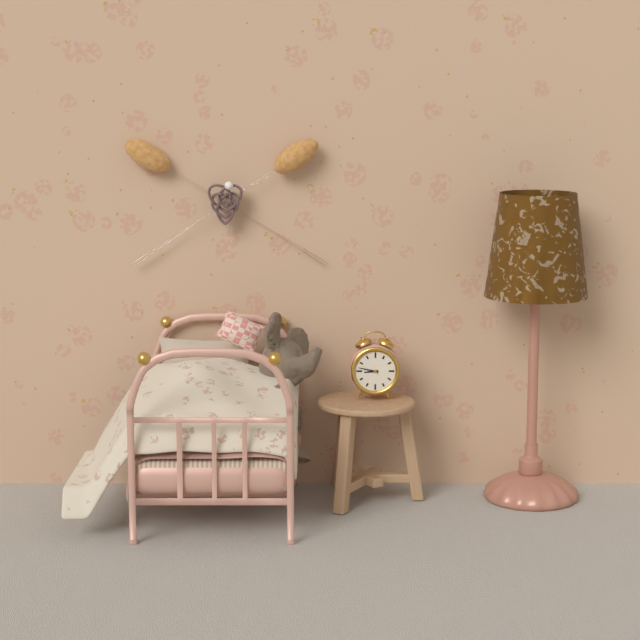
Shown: h=8 m=47
